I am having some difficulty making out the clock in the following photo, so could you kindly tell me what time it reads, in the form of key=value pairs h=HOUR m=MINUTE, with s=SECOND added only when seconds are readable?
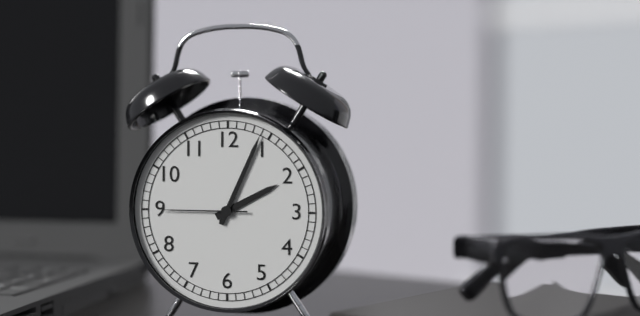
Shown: h=2 m=4 s=45
